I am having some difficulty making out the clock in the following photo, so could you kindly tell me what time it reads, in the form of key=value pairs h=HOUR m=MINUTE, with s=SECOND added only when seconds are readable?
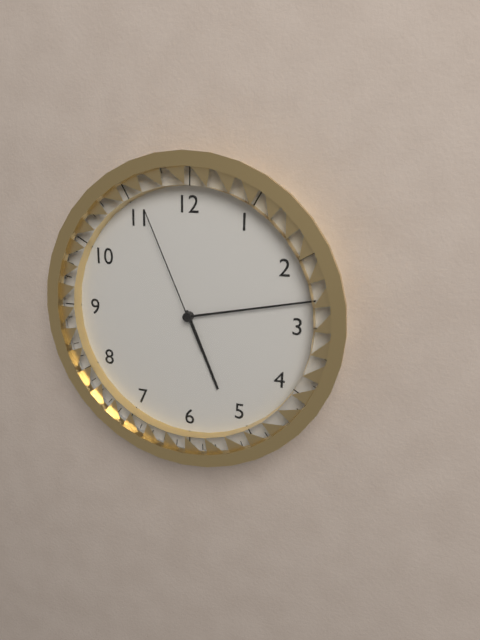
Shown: h=5 m=13 s=56
